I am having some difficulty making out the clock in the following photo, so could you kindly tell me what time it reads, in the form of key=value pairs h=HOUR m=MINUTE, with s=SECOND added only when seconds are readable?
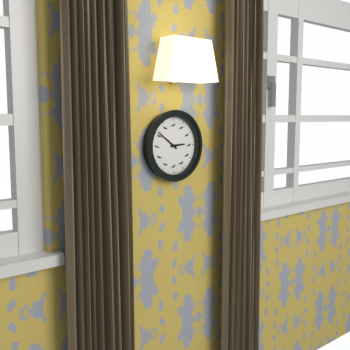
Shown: h=2 m=51
